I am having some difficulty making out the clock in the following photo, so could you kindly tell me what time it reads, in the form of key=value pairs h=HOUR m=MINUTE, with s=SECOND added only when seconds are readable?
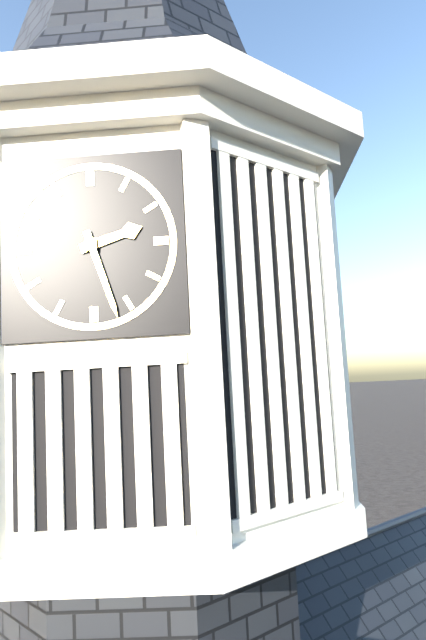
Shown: h=2 m=27
